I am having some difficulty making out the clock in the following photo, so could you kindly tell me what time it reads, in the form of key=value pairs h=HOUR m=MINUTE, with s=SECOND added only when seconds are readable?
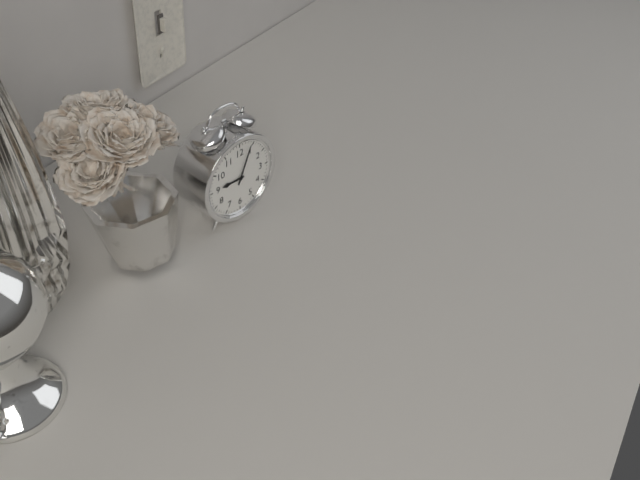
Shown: h=9 m=4
